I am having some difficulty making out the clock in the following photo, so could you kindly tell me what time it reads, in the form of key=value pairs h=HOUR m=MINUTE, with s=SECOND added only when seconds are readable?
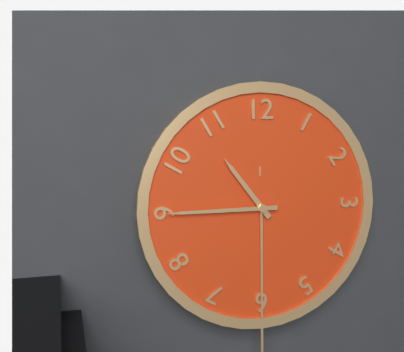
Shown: h=10 m=45
